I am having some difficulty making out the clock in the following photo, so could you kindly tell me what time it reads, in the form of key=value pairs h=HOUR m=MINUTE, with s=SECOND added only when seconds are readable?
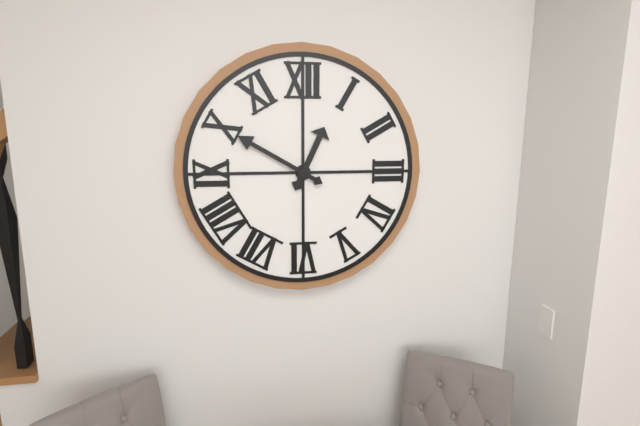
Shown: h=12 m=50
